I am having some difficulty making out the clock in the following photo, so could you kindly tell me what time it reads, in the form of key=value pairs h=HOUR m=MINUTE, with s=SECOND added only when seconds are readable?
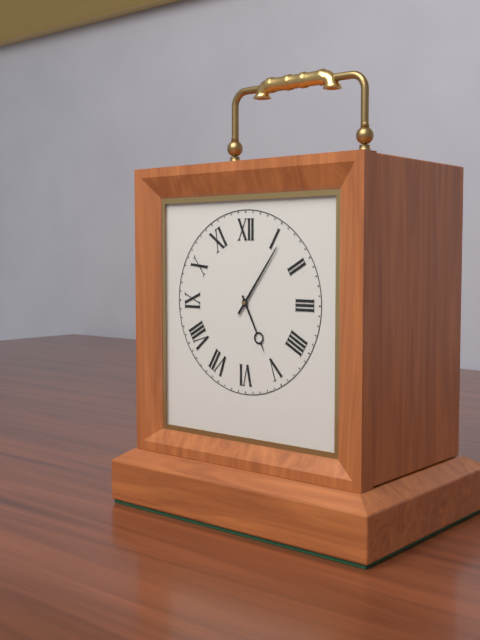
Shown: h=5 m=6
